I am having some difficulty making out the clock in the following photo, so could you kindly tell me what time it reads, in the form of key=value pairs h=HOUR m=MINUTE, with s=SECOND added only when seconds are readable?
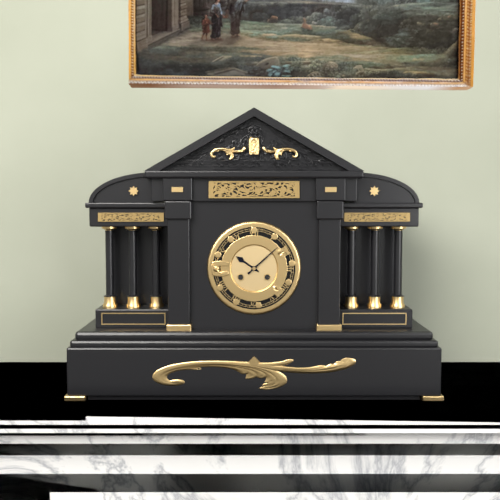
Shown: h=10 m=8
